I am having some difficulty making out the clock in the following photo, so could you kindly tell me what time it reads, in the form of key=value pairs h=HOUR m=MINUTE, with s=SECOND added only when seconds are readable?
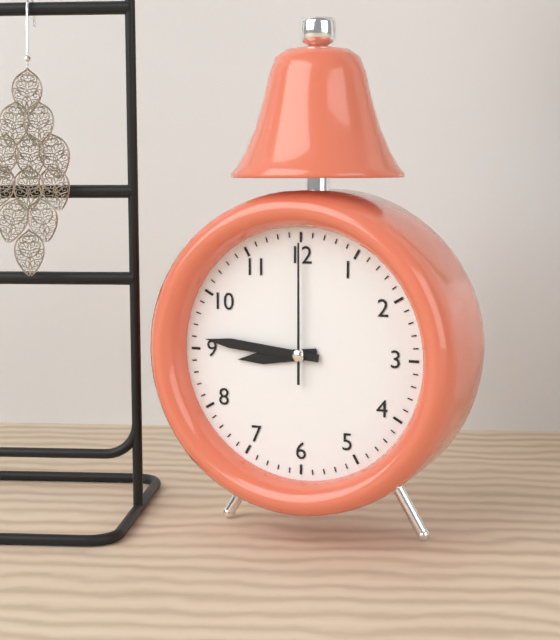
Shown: h=8 m=46 s=0
